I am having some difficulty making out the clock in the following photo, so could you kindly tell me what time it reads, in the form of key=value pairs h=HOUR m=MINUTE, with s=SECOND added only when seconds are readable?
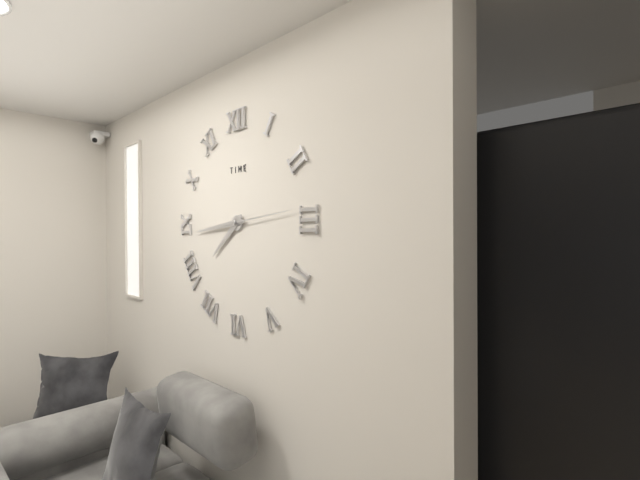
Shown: h=7 m=44 s=14
